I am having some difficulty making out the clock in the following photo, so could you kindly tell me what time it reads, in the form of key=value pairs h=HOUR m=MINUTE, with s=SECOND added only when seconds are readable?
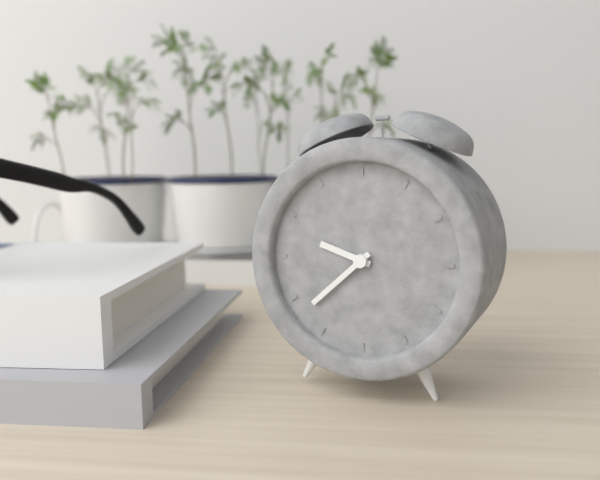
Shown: h=9 m=38
